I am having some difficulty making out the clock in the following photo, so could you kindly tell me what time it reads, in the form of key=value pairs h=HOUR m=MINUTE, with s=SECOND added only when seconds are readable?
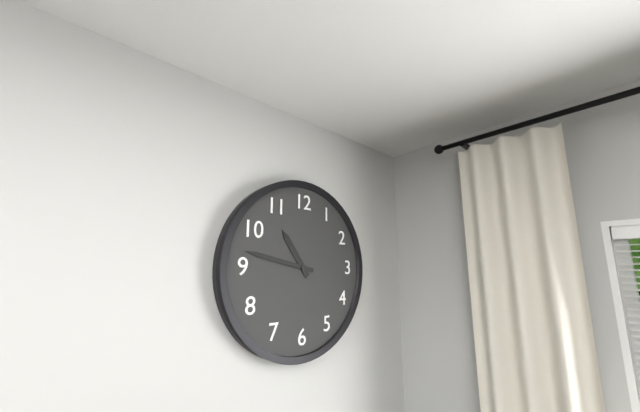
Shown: h=10 m=47
